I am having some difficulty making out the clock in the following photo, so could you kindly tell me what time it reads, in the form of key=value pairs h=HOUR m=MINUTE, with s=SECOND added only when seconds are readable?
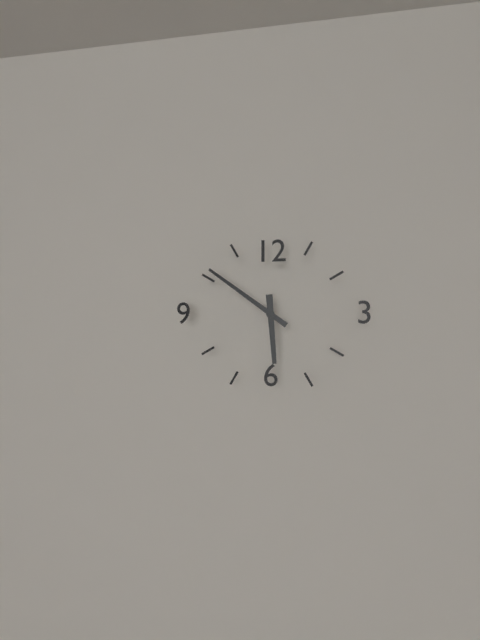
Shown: h=5 m=51
